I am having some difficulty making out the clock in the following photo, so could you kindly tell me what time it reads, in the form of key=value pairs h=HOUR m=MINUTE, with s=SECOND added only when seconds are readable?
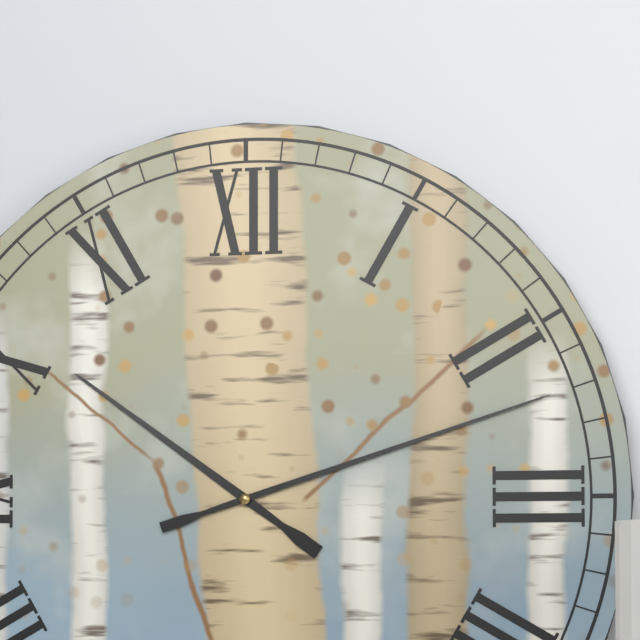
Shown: h=10 m=12
